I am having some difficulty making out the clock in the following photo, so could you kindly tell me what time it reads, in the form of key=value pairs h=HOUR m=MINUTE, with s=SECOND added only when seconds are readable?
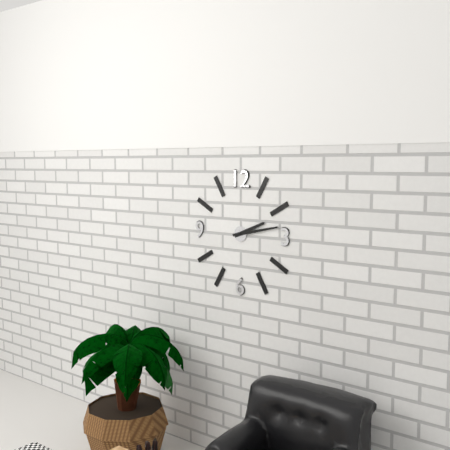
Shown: h=2 m=13
